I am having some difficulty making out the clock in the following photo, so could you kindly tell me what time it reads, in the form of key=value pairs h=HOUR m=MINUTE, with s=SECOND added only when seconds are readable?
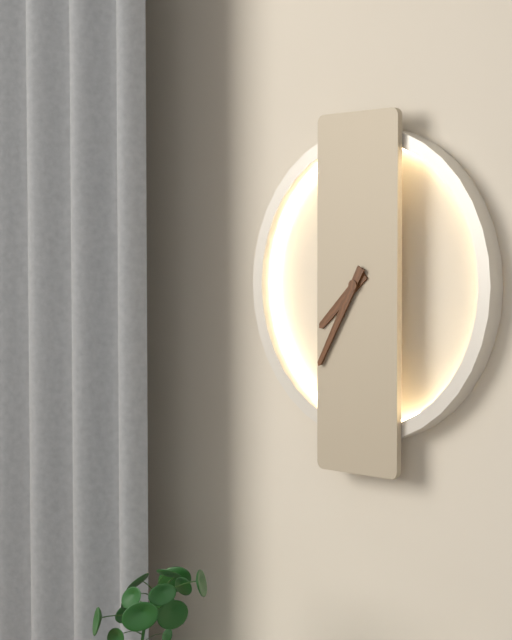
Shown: h=7 m=35
